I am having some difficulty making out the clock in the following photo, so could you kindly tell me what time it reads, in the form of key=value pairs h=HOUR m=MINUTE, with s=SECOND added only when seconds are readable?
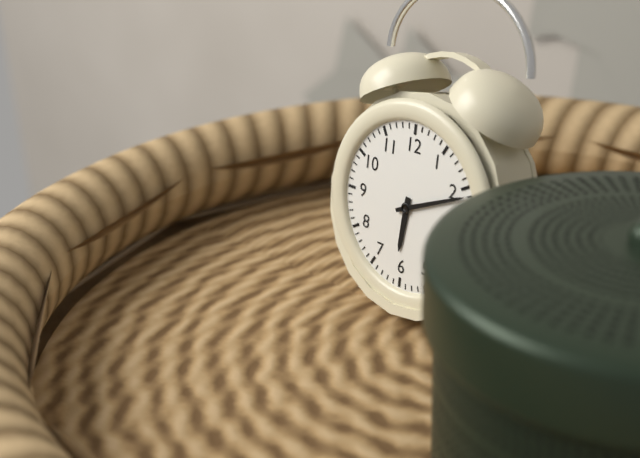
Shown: h=6 m=11
